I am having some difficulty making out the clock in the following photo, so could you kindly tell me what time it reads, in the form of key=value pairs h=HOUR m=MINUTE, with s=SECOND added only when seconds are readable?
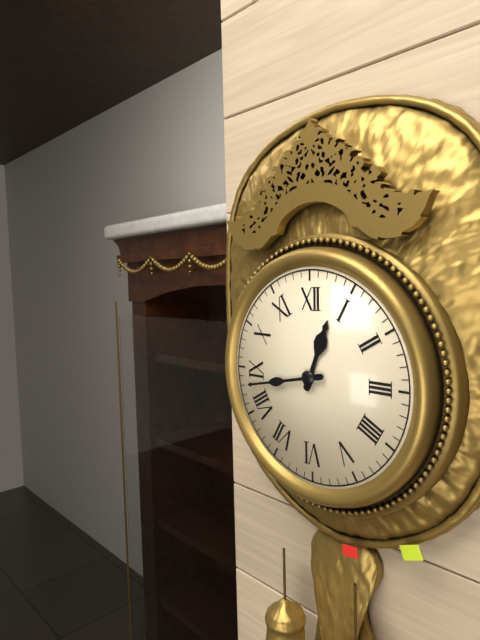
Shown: h=12 m=43
